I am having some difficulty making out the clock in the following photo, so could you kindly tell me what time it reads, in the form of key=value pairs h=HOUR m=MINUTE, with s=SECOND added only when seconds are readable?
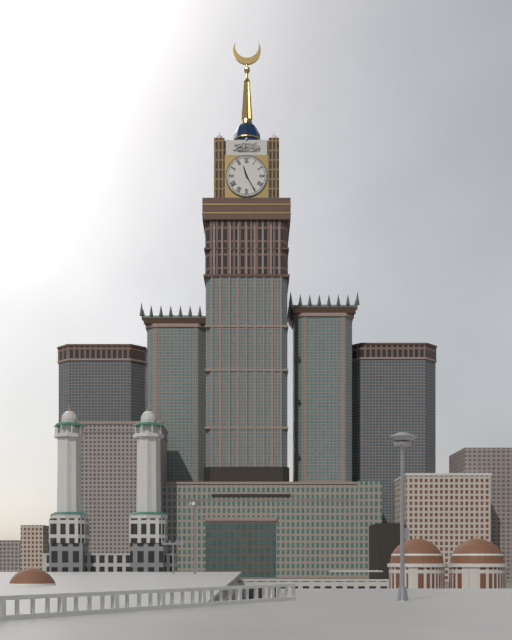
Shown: h=11 m=25
